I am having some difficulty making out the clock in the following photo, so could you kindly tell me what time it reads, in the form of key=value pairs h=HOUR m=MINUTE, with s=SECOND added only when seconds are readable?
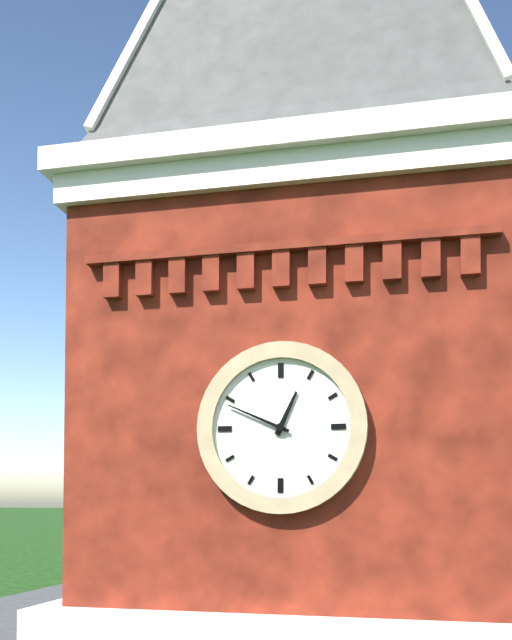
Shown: h=12 m=49
